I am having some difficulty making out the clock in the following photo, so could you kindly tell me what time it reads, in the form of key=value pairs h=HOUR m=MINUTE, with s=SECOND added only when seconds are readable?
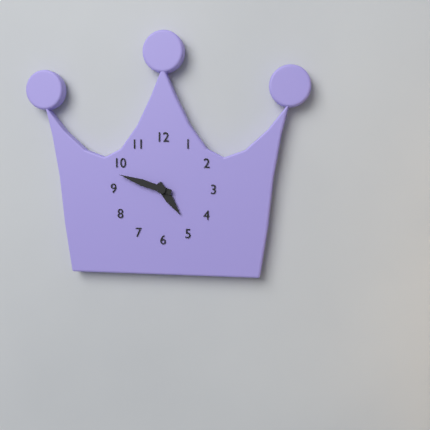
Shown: h=4 m=48
